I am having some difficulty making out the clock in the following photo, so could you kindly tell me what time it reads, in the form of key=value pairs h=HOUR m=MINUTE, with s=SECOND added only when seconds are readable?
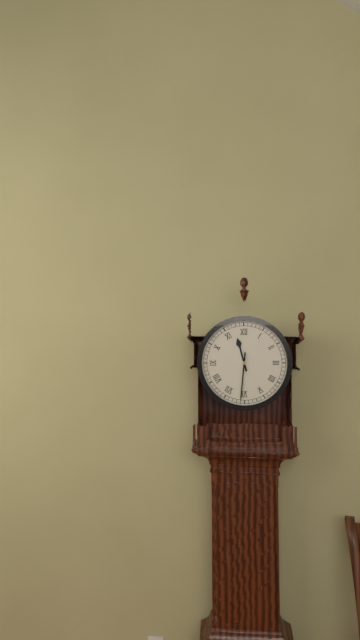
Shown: h=11 m=31
